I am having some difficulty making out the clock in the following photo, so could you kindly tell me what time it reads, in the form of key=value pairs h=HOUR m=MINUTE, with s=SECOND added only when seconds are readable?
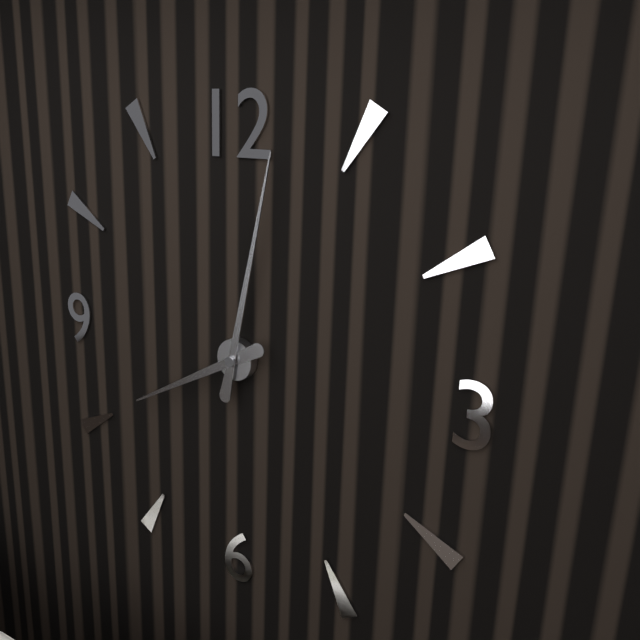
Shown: h=8 m=2
